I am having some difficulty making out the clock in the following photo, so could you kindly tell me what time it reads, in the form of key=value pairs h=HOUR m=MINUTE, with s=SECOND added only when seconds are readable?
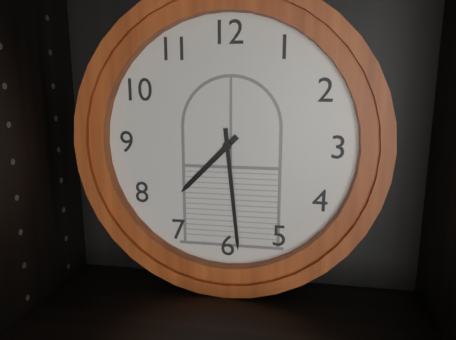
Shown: h=7 m=29
